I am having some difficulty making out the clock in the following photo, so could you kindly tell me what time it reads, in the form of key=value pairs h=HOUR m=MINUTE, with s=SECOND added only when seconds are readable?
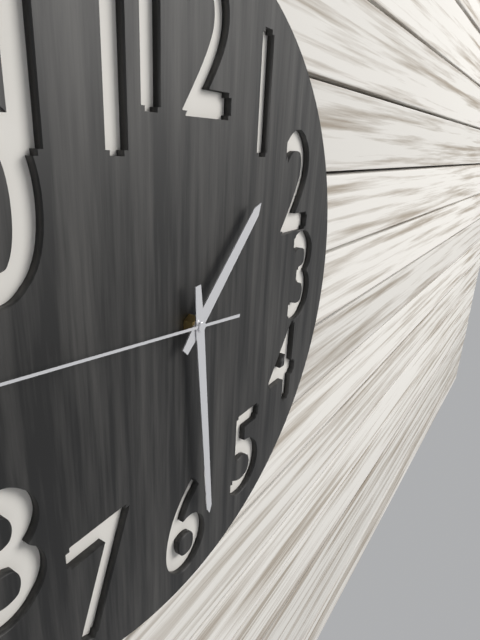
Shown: h=1 m=29
